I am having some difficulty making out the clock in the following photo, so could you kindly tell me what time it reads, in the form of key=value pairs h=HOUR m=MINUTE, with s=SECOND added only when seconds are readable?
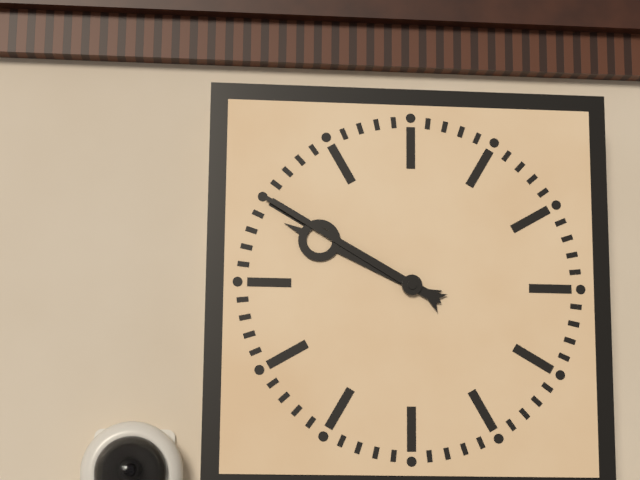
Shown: h=9 m=50
